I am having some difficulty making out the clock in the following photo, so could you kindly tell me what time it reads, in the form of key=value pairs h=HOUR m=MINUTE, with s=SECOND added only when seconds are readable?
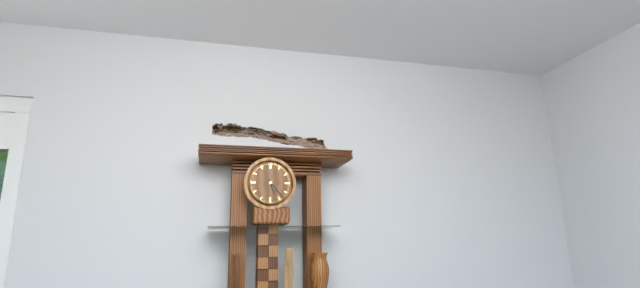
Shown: h=5 m=23
